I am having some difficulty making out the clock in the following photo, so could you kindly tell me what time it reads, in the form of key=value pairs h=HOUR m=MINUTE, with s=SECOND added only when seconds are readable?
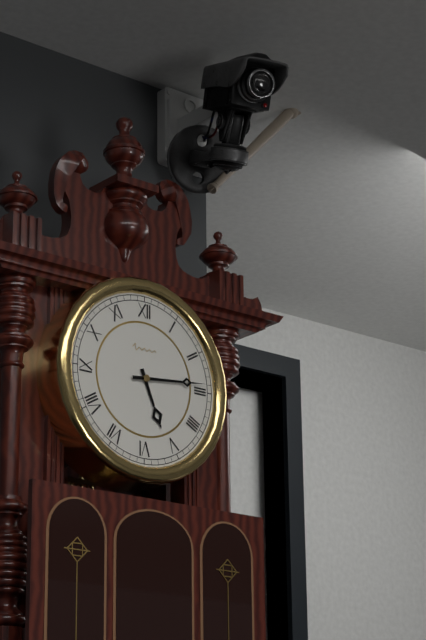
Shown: h=5 m=14
